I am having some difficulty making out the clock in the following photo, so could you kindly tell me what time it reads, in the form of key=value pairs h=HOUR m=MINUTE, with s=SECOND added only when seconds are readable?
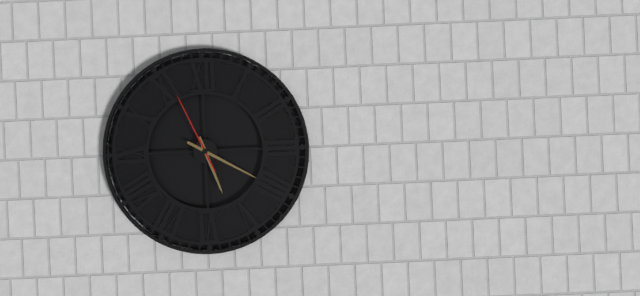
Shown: h=5 m=20 s=56
